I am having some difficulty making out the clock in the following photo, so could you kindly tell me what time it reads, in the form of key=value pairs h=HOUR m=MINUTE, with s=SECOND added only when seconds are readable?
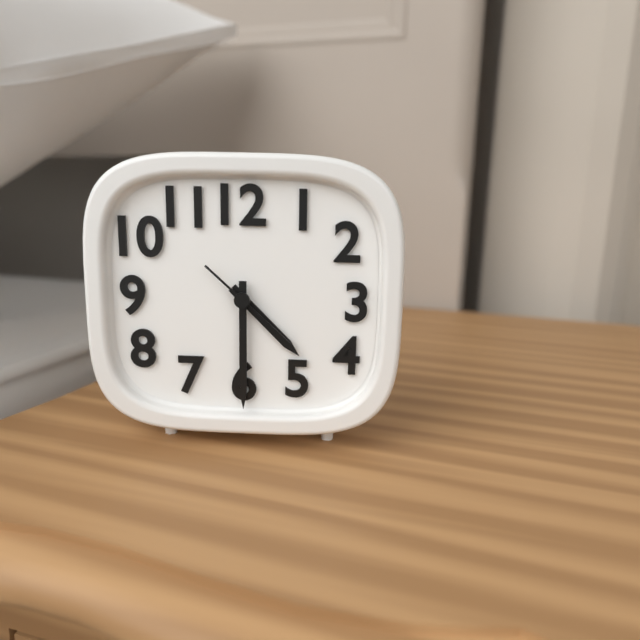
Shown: h=4 m=30 s=22
